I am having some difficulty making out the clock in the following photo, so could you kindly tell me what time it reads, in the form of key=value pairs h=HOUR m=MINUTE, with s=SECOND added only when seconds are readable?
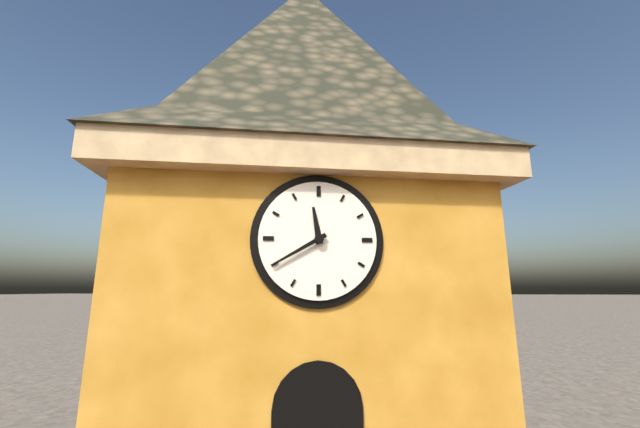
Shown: h=11 m=40
